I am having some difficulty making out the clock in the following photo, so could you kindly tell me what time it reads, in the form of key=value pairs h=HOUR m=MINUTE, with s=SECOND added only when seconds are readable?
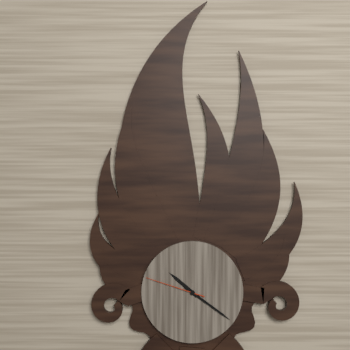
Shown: h=10 m=21 s=48
